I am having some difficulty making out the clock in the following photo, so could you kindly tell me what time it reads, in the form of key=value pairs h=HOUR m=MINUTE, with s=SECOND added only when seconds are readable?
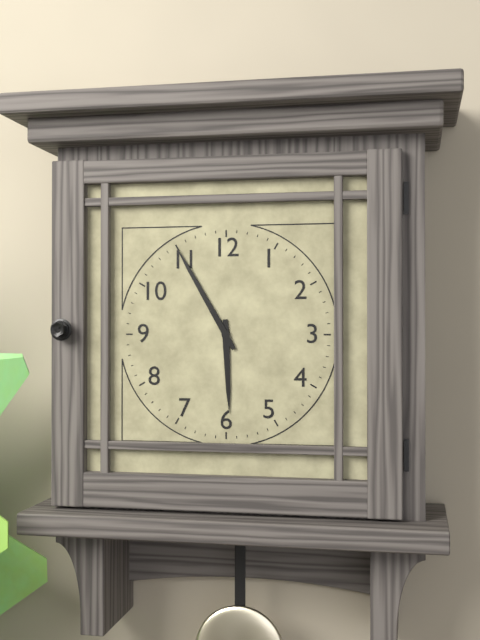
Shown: h=5 m=55
